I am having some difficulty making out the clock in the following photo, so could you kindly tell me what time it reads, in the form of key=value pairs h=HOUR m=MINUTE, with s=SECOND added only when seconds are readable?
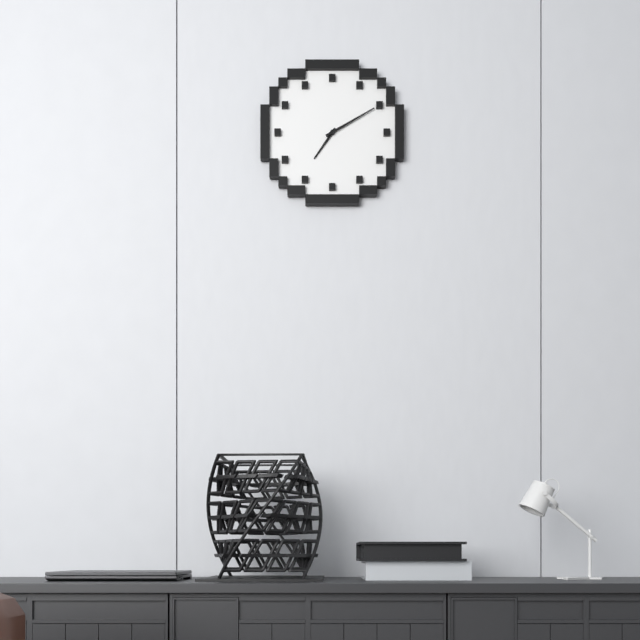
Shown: h=7 m=10
